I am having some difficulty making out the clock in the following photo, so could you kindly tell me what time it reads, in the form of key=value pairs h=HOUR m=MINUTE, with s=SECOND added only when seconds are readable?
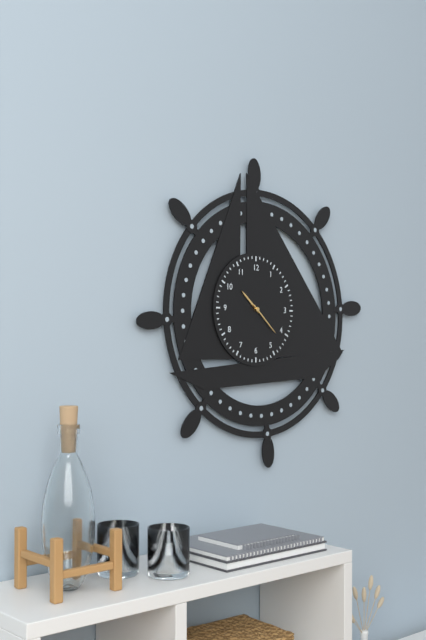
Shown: h=10 m=22
